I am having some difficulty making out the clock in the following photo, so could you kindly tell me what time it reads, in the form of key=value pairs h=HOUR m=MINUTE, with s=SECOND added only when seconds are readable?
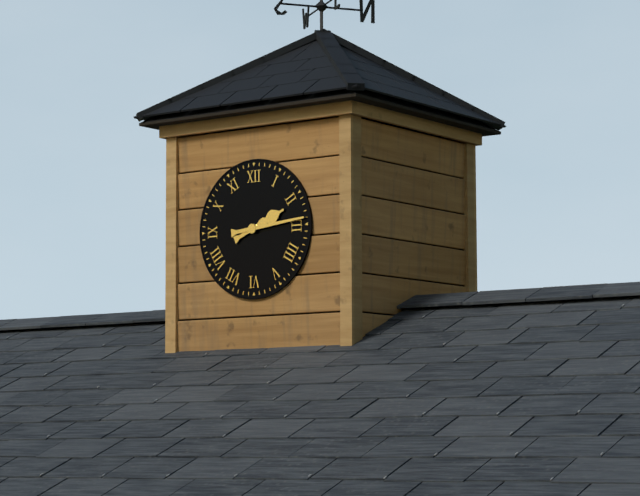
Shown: h=2 m=14
